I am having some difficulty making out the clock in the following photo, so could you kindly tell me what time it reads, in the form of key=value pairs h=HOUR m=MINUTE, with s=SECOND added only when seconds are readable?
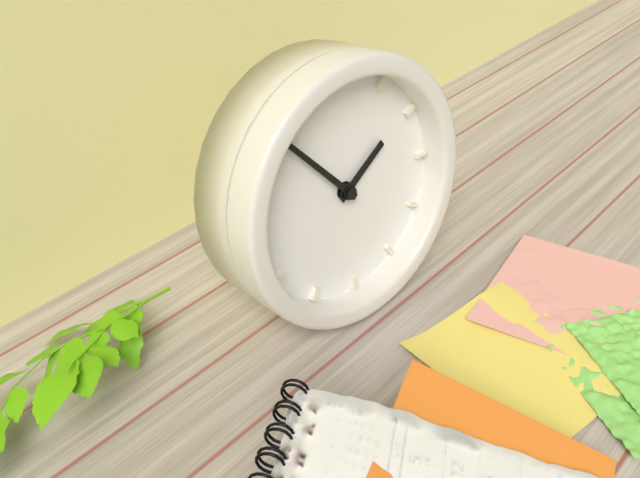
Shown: h=1 m=53
